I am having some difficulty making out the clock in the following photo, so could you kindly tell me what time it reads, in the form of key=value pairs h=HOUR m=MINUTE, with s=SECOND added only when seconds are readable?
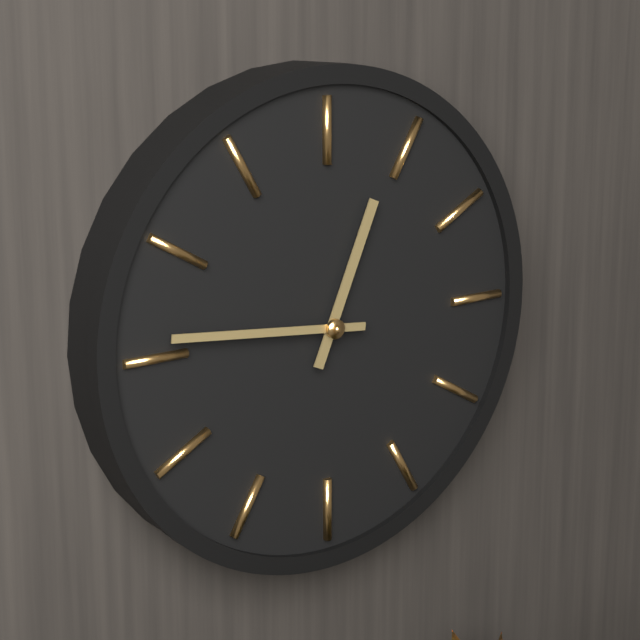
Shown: h=12 m=46
